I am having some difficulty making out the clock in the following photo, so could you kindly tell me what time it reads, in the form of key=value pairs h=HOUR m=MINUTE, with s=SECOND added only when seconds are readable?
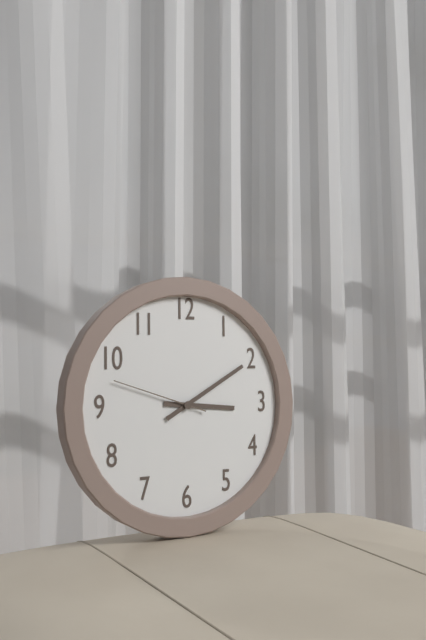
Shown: h=3 m=10 s=48
